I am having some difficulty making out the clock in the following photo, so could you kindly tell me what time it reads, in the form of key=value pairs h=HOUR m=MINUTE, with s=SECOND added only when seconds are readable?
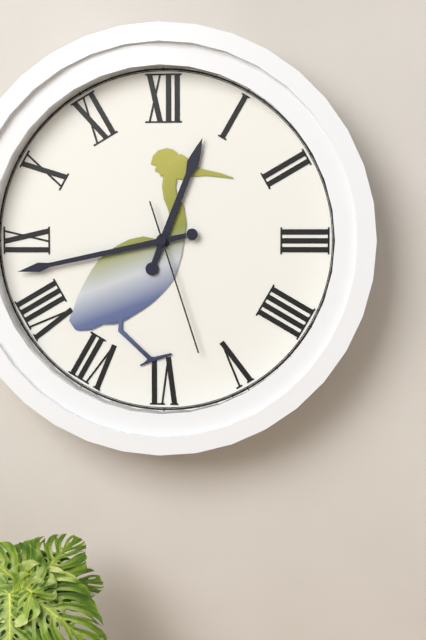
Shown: h=12 m=43 s=27
